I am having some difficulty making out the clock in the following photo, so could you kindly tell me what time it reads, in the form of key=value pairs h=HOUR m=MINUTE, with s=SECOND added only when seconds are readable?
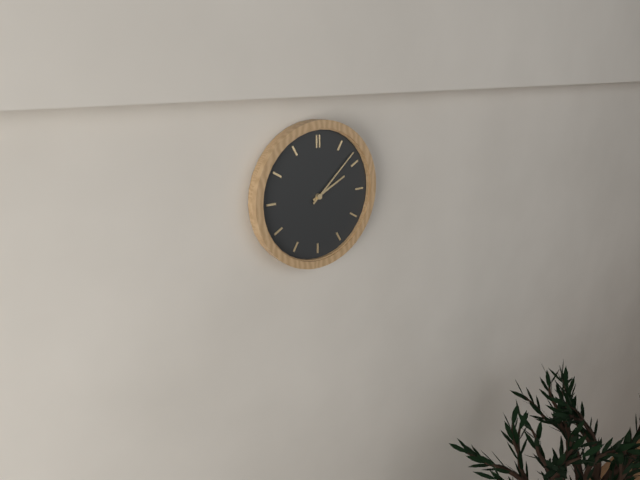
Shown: h=2 m=8
